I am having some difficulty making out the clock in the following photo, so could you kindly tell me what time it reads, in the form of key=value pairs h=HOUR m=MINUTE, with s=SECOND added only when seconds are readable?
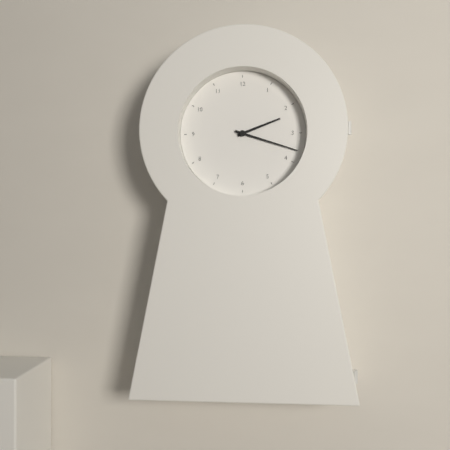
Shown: h=2 m=18
